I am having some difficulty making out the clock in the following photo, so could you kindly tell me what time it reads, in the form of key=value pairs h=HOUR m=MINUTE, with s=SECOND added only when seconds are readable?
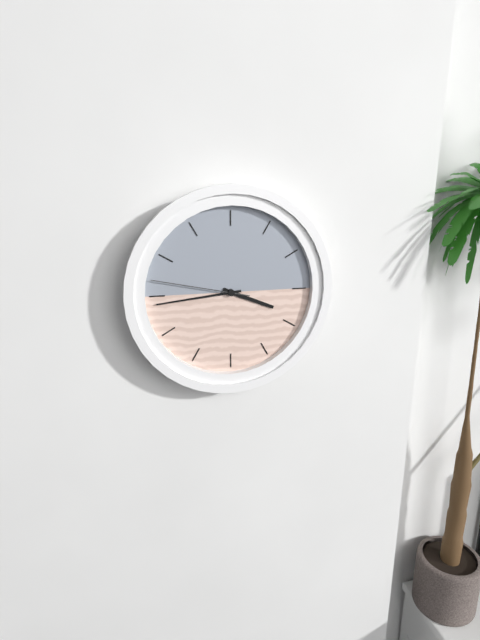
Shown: h=3 m=44 s=47
